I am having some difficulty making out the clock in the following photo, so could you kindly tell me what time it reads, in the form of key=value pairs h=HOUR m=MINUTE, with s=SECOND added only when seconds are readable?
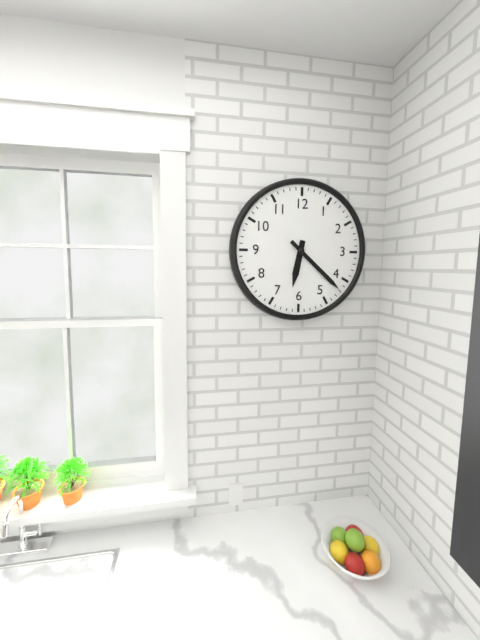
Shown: h=6 m=22
